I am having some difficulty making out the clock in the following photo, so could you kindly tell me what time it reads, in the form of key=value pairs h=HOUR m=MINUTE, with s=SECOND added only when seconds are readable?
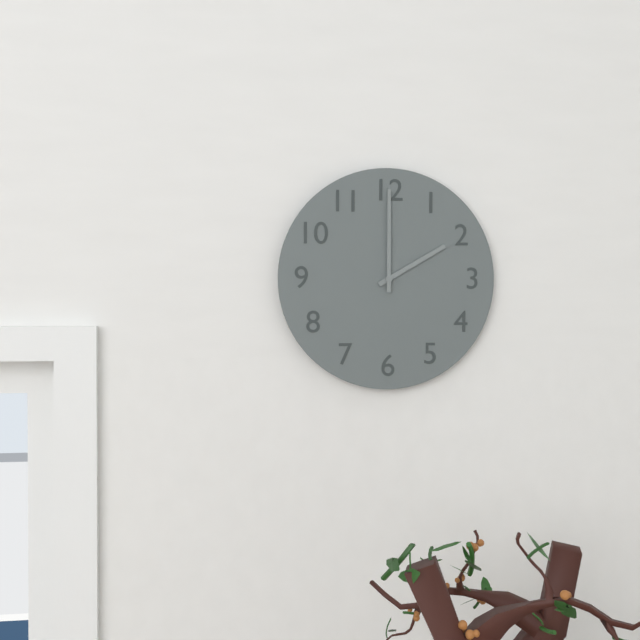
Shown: h=2 m=0
